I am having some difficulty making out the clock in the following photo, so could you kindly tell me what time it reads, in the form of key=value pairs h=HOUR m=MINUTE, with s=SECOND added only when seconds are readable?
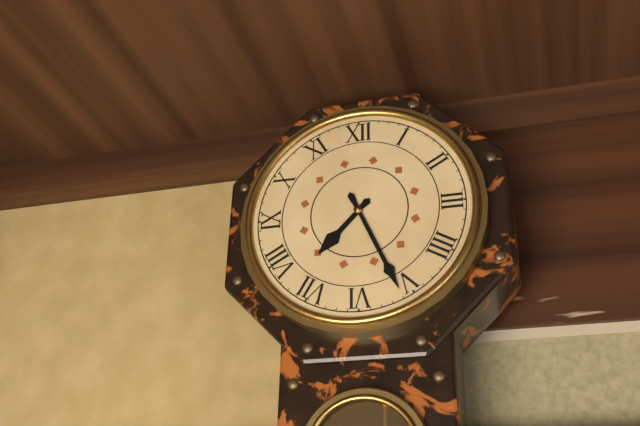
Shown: h=7 m=26
